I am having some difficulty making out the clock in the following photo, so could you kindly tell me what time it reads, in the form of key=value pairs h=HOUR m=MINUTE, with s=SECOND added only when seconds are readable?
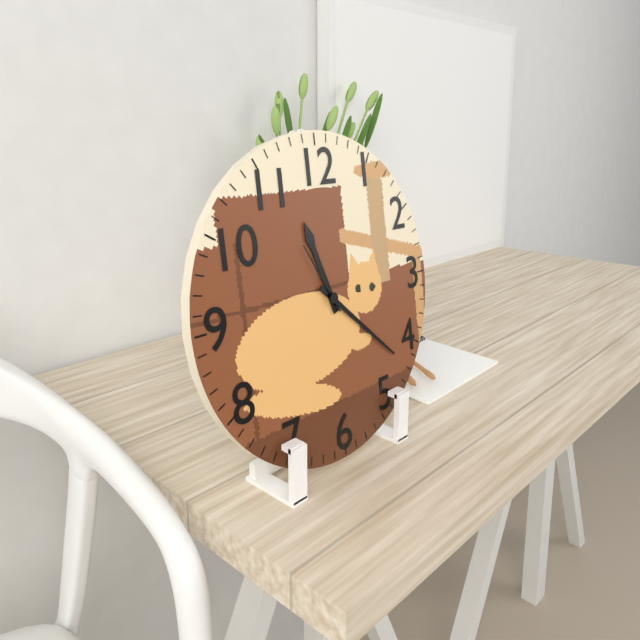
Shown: h=11 m=22 s=55
